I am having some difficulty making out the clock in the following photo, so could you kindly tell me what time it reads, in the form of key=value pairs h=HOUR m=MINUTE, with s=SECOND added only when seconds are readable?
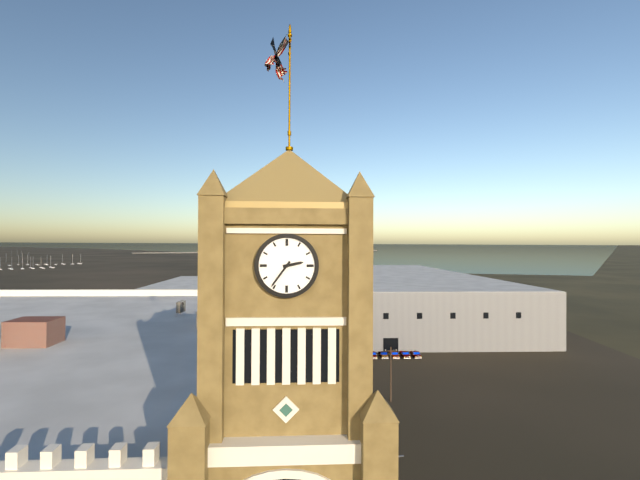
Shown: h=2 m=36
